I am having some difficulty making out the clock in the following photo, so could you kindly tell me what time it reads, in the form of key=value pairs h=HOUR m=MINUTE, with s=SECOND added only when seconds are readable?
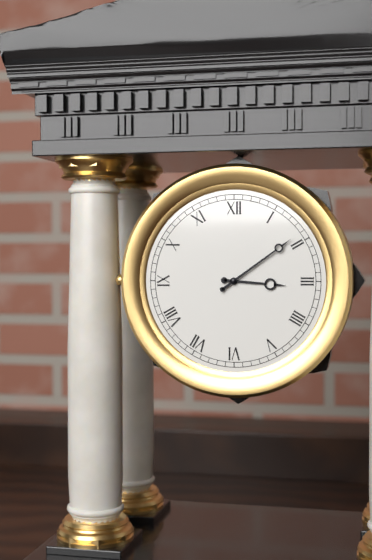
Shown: h=3 m=9
